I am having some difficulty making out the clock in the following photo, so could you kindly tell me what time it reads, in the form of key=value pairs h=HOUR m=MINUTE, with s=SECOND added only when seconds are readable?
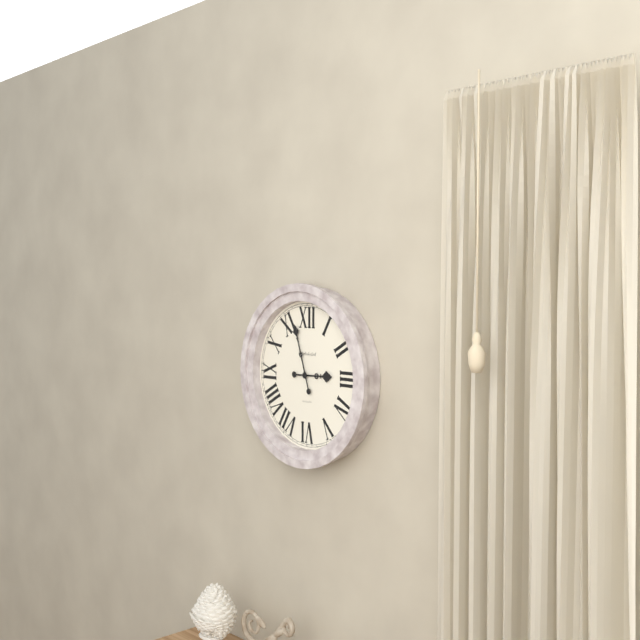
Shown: h=2 m=57
